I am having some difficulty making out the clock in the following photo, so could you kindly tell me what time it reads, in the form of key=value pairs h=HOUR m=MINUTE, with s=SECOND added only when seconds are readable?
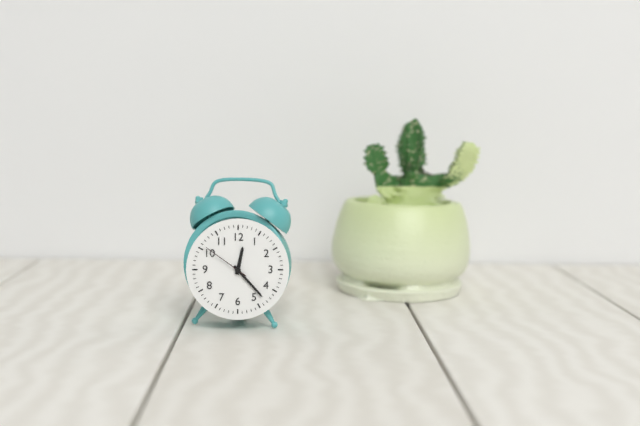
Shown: h=12 m=23 s=51
